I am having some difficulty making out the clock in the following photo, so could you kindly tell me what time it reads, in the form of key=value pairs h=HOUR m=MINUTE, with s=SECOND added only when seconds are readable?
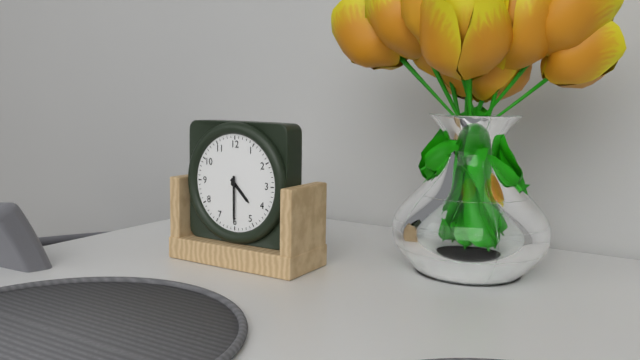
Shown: h=4 m=30
